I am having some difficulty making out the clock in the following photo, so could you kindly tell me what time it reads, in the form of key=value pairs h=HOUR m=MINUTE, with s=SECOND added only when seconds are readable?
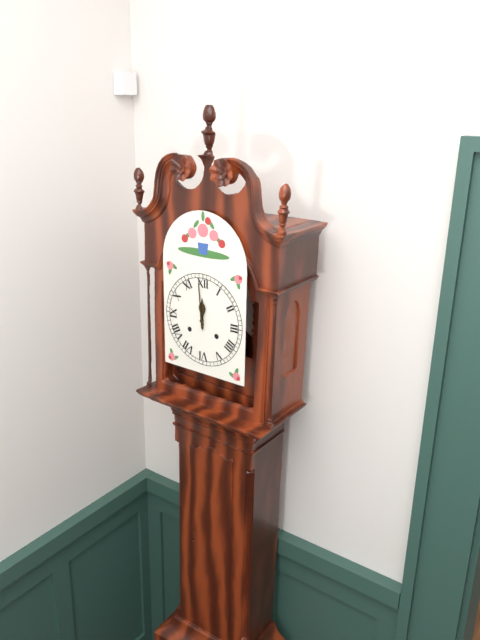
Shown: h=11 m=59
